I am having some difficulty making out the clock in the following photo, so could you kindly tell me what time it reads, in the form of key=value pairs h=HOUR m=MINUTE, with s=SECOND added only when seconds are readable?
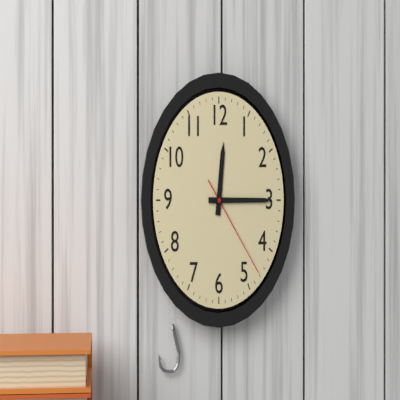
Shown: h=12 m=15 s=23
